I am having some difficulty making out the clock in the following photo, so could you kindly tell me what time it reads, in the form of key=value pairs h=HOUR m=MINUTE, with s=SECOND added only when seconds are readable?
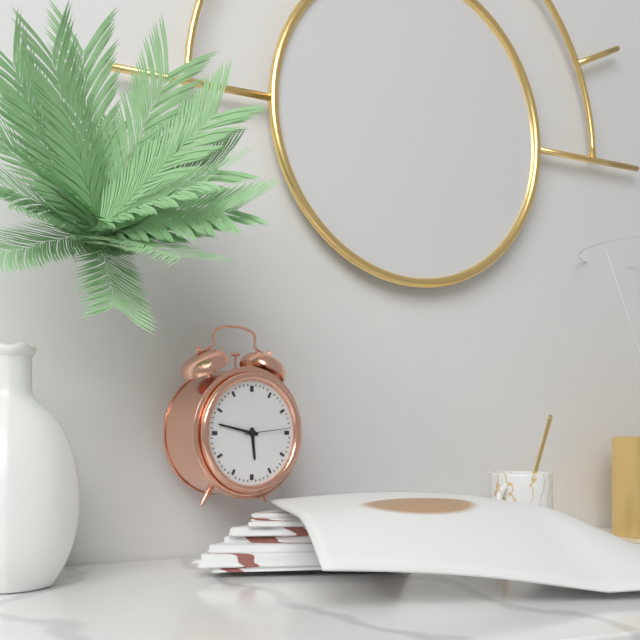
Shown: h=5 m=47
